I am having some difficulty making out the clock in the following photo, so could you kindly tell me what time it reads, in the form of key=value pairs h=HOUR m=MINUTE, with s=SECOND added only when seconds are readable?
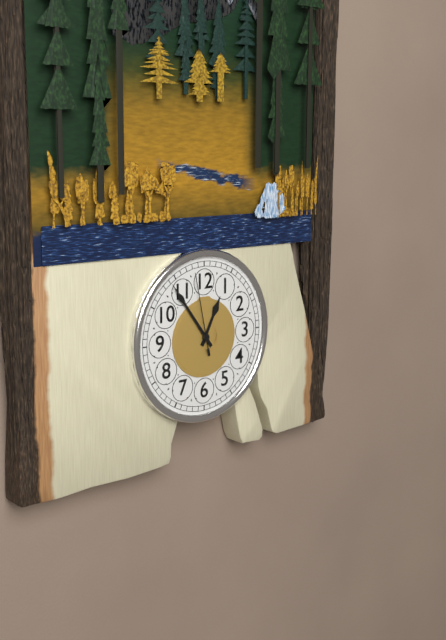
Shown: h=12 m=54 s=58
